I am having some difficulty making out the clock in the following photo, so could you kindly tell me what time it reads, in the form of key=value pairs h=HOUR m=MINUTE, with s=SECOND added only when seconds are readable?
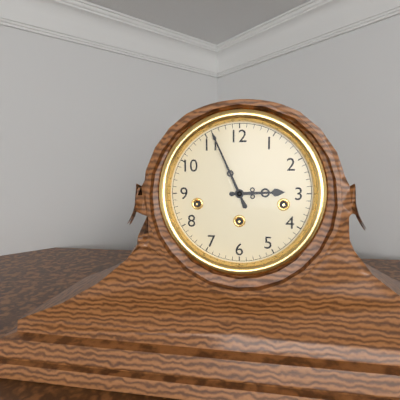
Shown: h=2 m=56
